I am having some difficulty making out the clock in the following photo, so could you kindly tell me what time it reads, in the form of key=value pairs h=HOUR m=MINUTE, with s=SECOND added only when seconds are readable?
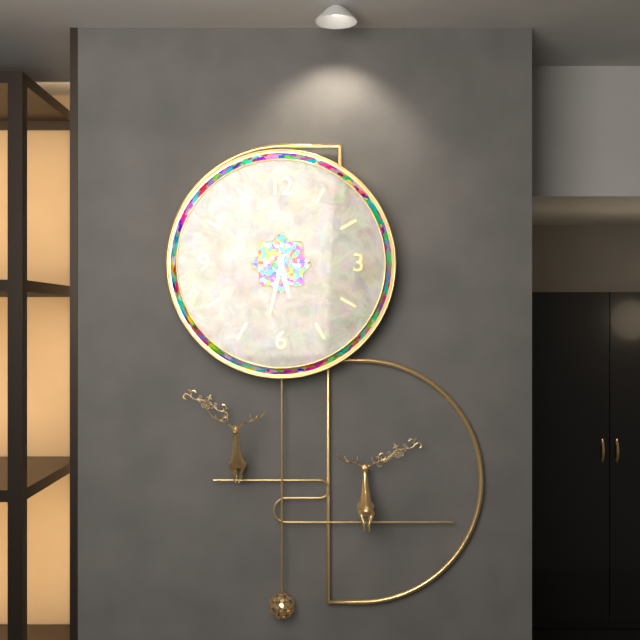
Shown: h=5 m=32
